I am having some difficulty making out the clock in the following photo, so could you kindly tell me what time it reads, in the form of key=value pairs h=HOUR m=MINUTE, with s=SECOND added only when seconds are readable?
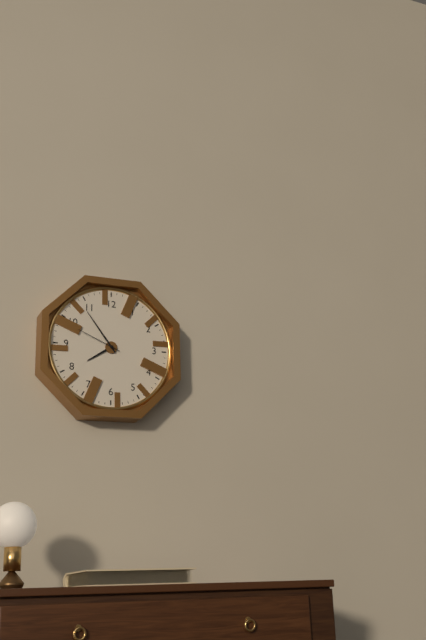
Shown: h=7 m=54
